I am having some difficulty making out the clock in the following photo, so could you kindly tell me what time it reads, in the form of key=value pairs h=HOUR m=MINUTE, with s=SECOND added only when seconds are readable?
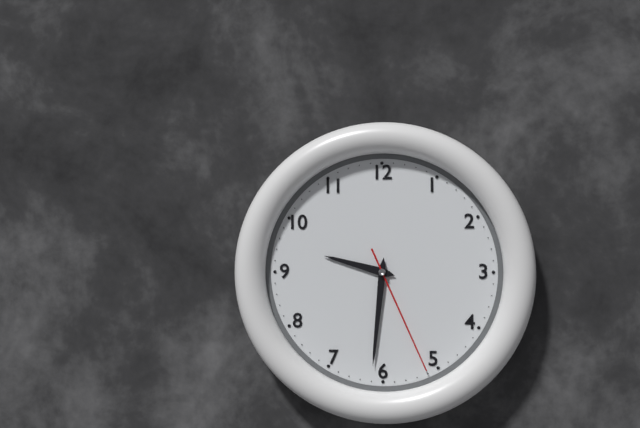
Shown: h=9 m=31 s=26
